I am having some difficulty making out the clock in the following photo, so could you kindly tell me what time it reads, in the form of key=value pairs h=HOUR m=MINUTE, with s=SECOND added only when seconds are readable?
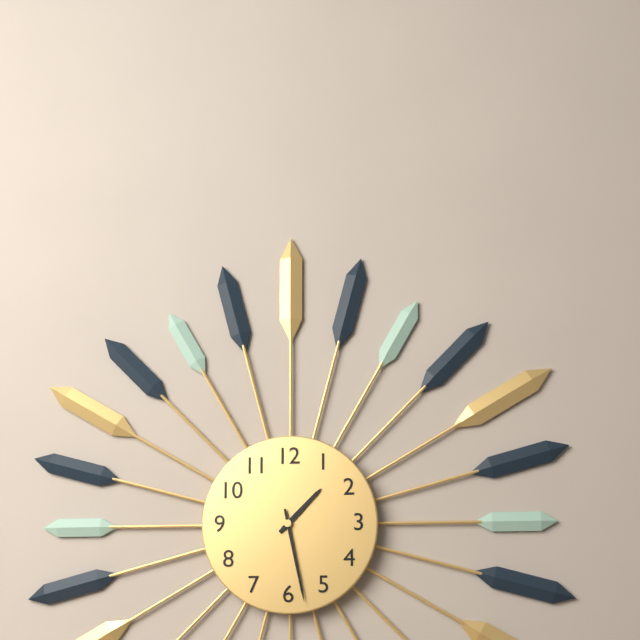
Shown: h=1 m=28
